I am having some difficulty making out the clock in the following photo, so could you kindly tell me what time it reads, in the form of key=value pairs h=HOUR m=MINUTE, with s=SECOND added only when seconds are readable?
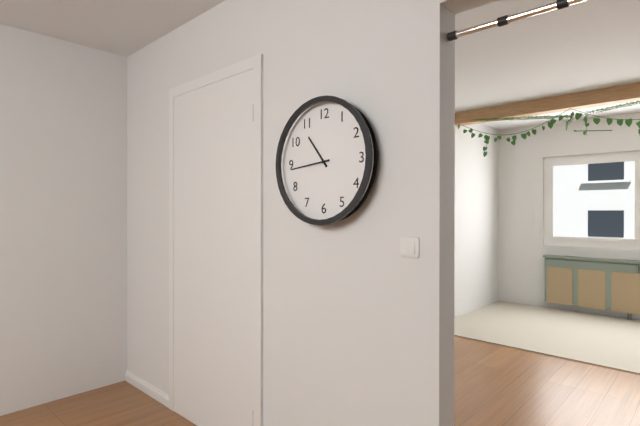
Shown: h=10 m=44
